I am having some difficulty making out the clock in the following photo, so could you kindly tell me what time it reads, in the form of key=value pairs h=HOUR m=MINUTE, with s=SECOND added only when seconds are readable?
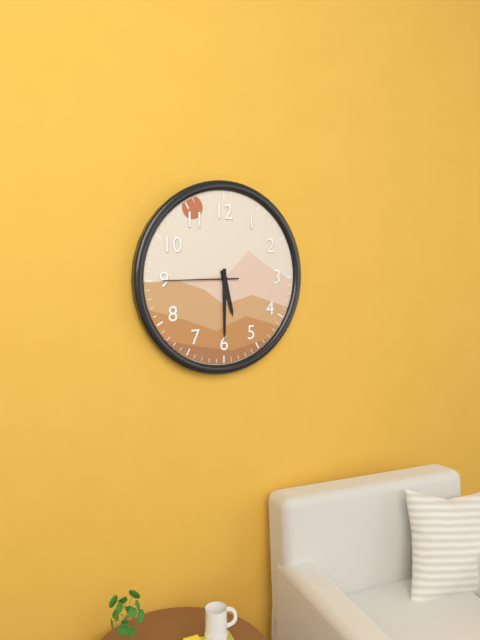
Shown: h=5 m=30 s=45
